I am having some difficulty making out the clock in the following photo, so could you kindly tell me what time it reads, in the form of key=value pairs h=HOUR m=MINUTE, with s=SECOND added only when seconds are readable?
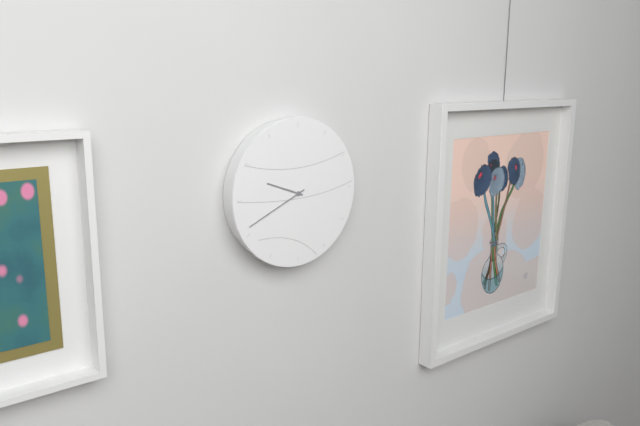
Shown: h=9 m=41
